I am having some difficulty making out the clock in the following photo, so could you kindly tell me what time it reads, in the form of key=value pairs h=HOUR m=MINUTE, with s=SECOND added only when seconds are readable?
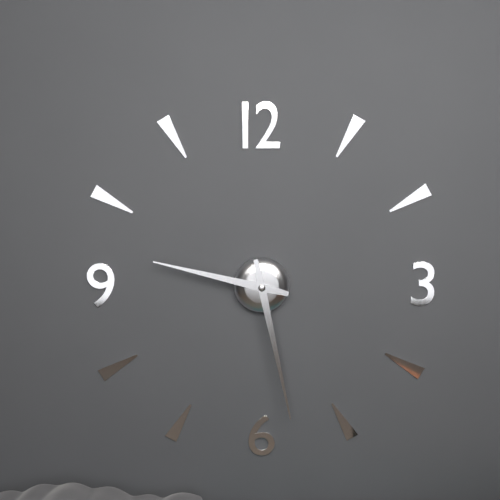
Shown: h=9 m=28
